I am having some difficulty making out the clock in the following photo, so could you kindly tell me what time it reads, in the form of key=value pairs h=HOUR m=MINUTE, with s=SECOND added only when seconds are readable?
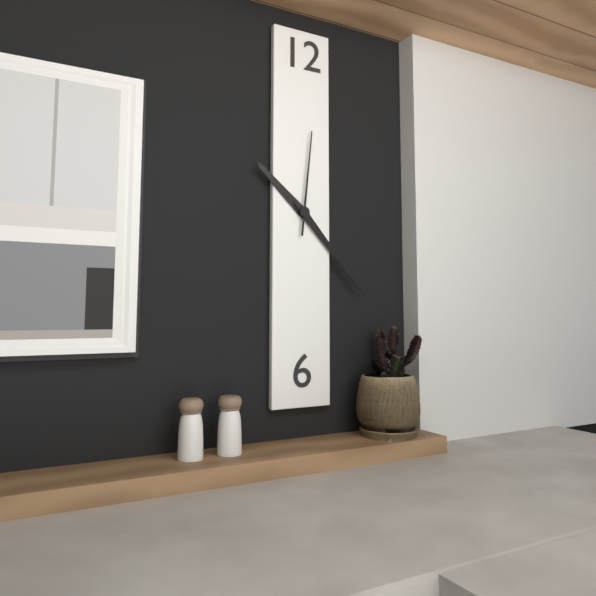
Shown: h=10 m=23 s=1
